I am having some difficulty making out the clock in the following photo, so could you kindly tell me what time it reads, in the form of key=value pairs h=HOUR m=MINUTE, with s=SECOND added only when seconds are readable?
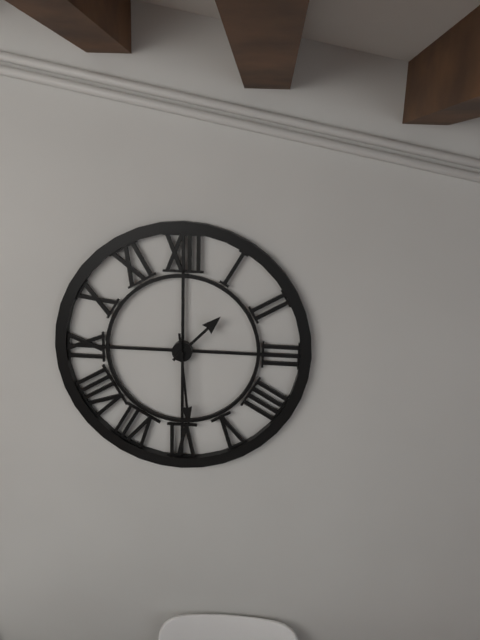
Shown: h=1 m=29
